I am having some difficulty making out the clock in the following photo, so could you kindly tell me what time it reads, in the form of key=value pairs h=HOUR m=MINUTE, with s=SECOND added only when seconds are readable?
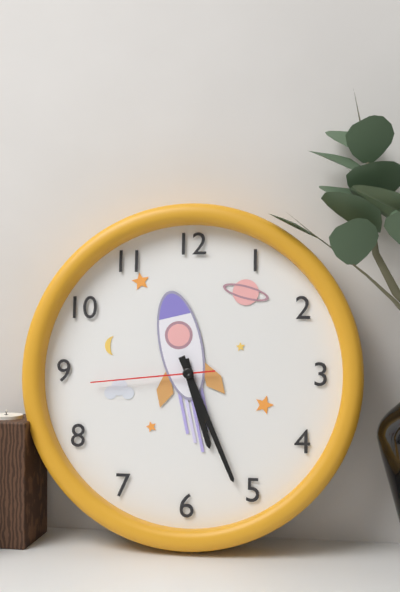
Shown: h=5 m=26 s=44
